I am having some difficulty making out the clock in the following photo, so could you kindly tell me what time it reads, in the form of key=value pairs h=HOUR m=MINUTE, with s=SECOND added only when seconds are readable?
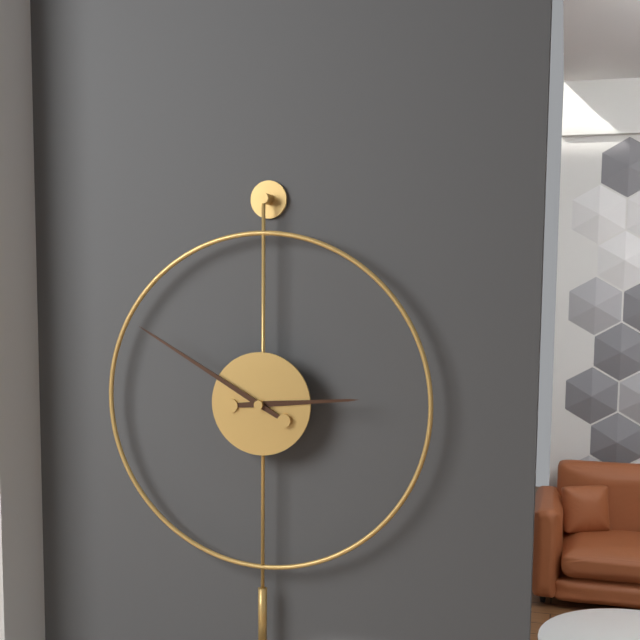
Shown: h=2 m=50
